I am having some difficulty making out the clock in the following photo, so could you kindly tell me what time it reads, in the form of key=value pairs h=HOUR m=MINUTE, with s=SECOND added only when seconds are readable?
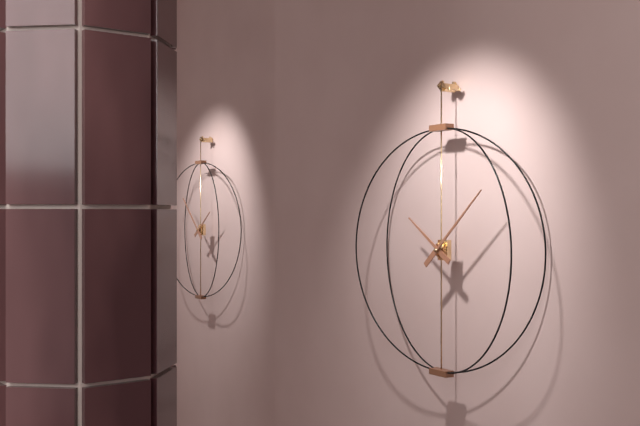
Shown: h=10 m=8
